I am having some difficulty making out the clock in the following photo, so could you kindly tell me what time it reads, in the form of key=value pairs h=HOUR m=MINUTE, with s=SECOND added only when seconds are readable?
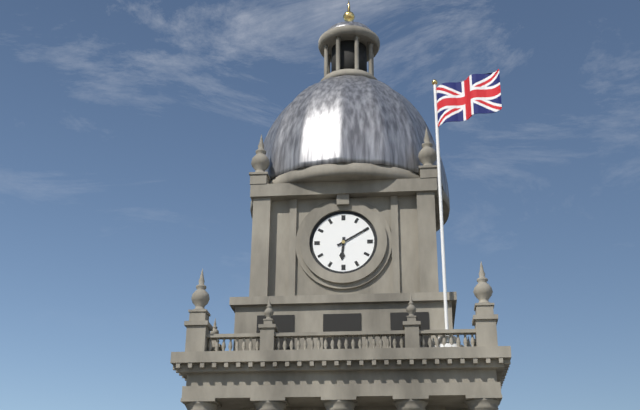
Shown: h=6 m=10
